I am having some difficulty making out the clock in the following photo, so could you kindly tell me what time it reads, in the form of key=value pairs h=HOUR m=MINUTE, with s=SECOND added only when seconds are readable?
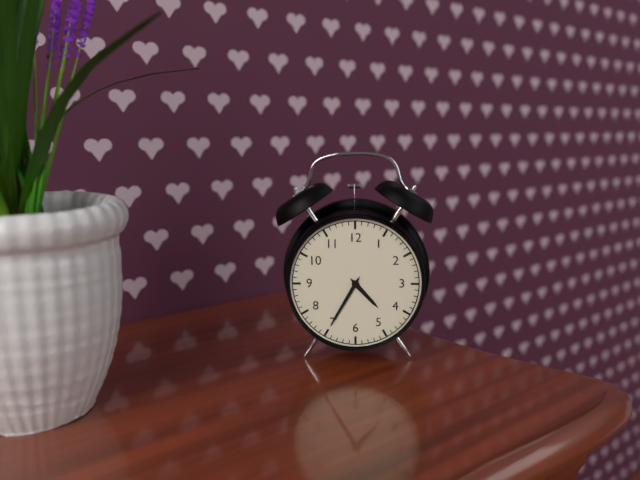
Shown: h=4 m=35
